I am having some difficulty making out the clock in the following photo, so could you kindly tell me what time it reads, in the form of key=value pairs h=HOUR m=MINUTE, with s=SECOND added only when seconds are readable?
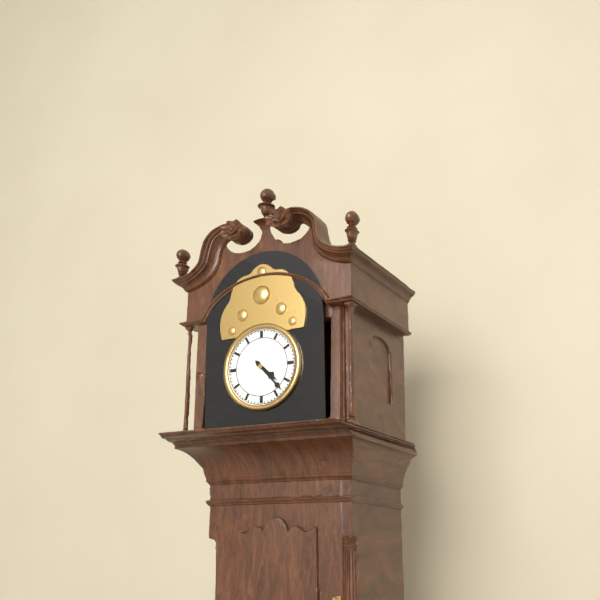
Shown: h=4 m=23
